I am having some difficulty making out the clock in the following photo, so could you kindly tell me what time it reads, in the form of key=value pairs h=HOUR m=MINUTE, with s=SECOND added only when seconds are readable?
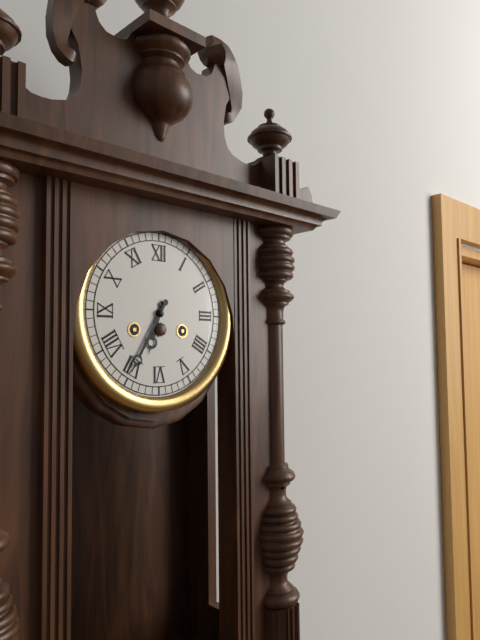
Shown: h=6 m=35
